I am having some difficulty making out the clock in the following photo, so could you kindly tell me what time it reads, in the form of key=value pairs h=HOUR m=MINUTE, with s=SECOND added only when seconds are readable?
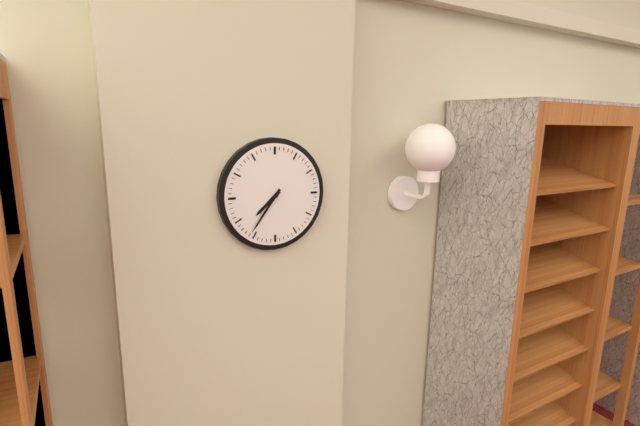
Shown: h=7 m=36
